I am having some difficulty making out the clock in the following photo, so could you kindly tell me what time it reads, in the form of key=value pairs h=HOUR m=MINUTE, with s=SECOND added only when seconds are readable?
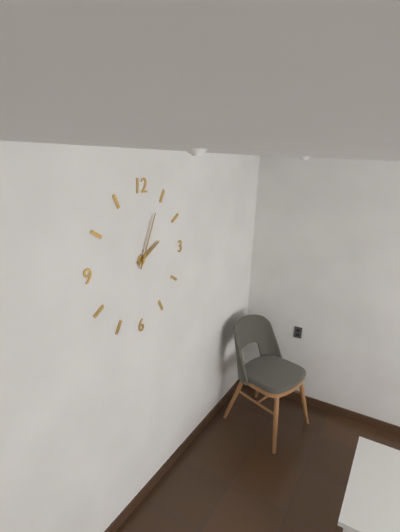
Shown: h=2 m=4
